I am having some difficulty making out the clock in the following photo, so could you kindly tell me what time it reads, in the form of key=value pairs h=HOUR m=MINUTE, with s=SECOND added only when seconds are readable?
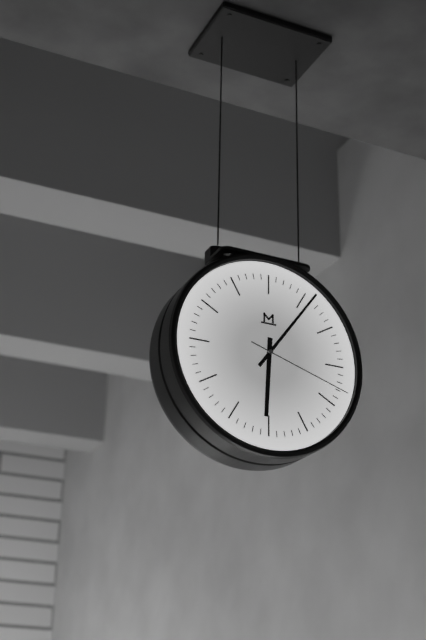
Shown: h=6 m=6 s=18
